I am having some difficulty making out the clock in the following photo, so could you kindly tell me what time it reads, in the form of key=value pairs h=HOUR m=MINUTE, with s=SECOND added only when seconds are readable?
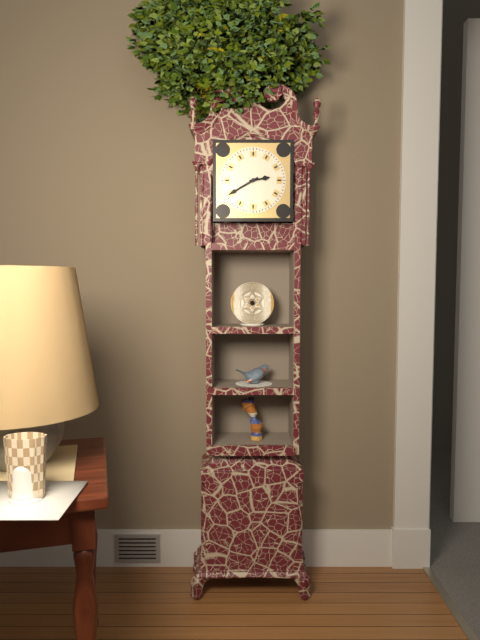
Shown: h=2 m=40
